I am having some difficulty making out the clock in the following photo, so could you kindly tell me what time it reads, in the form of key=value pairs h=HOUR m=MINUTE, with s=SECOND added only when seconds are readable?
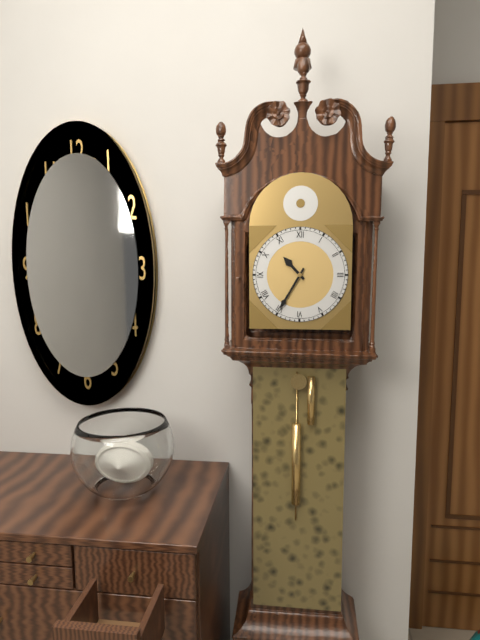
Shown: h=10 m=35
